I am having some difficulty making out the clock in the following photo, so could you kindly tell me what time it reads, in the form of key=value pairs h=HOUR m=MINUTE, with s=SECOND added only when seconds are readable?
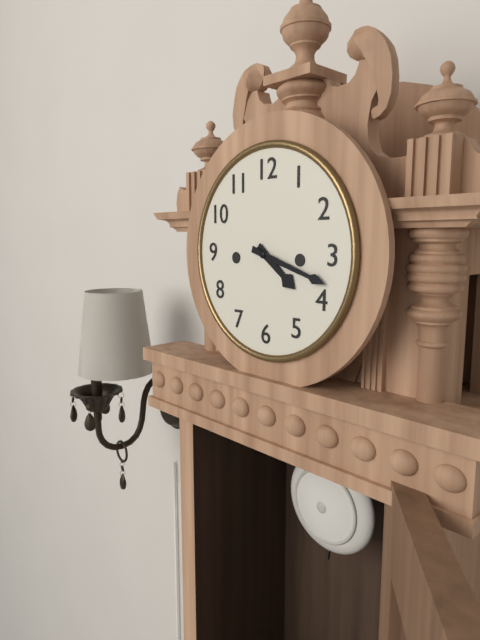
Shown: h=4 m=18
